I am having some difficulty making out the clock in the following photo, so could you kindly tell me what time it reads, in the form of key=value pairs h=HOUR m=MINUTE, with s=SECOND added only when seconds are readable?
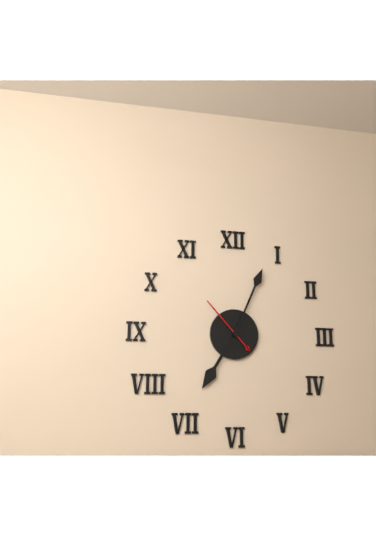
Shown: h=7 m=4 s=53
